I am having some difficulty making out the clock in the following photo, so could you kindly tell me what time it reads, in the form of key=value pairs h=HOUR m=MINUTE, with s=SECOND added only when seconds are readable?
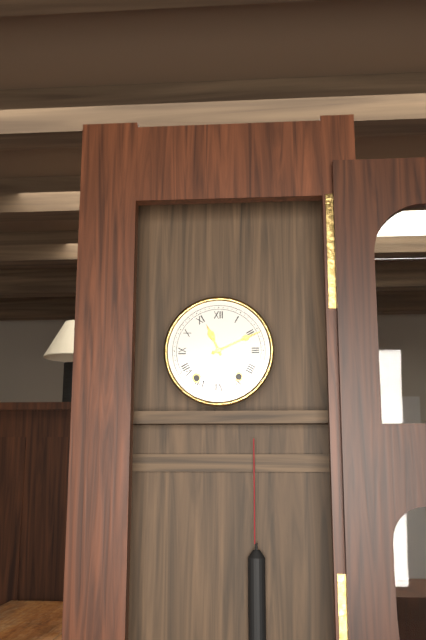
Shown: h=11 m=11
